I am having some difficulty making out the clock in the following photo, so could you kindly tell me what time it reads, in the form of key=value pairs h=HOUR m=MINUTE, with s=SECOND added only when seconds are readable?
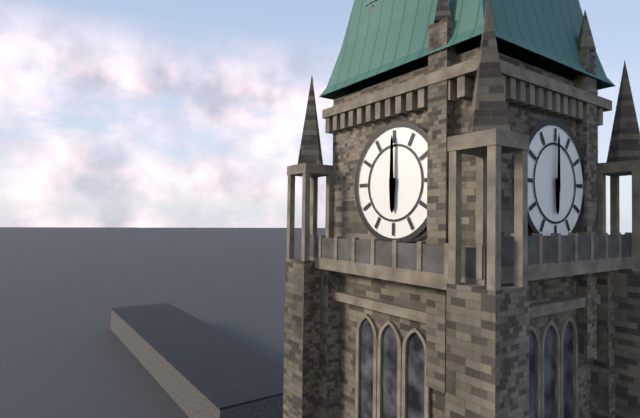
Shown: h=6 m=0
